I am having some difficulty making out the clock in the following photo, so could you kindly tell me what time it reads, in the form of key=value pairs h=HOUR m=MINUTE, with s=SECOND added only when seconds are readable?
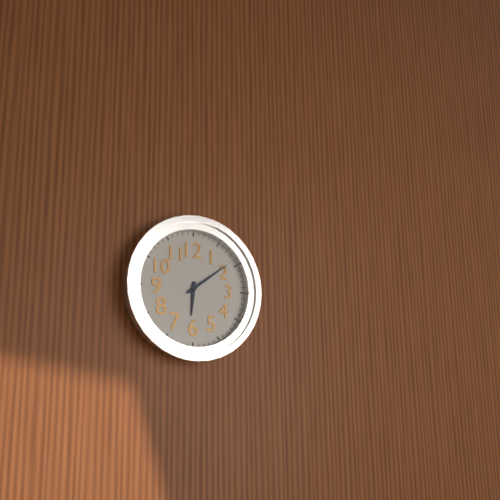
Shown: h=6 m=9
